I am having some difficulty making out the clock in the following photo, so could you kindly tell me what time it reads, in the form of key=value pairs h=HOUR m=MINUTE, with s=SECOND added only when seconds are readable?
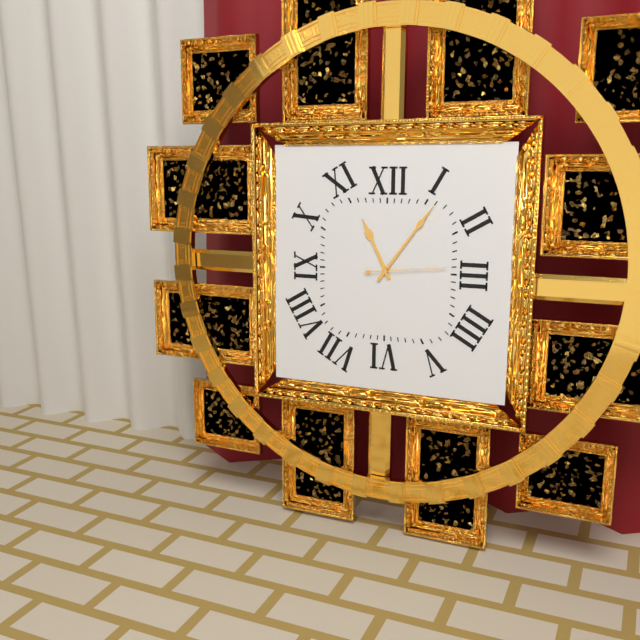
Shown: h=11 m=6 s=14
